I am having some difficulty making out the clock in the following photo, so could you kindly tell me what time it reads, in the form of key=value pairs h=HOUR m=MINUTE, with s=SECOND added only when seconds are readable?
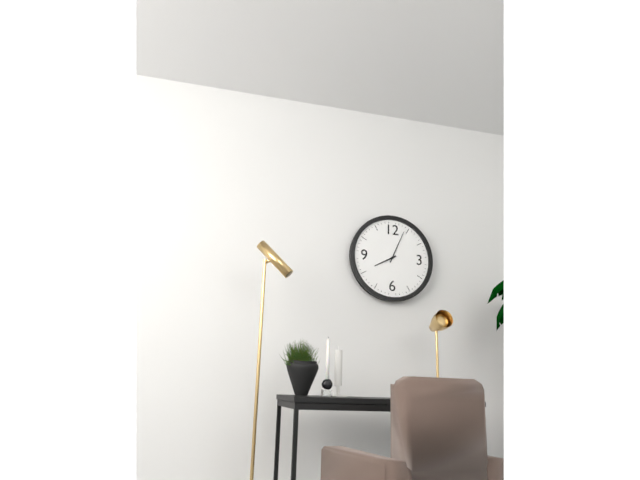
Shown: h=8 m=4
